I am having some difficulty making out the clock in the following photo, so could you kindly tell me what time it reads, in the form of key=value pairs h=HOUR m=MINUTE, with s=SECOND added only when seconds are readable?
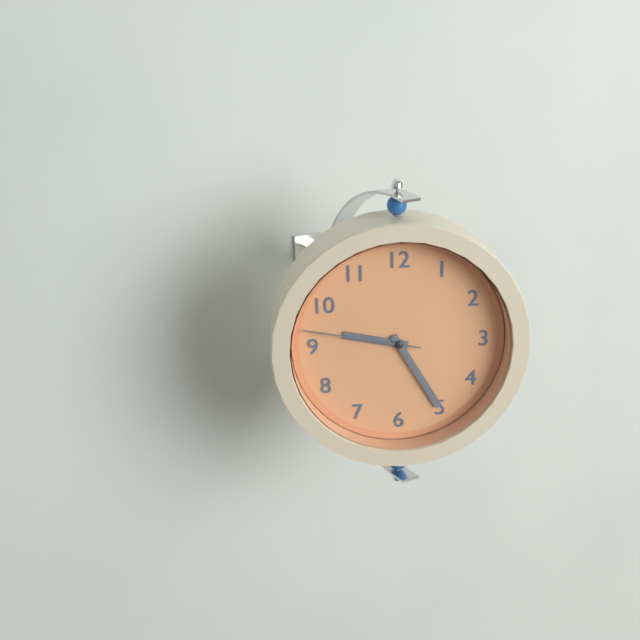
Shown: h=9 m=25 s=47
